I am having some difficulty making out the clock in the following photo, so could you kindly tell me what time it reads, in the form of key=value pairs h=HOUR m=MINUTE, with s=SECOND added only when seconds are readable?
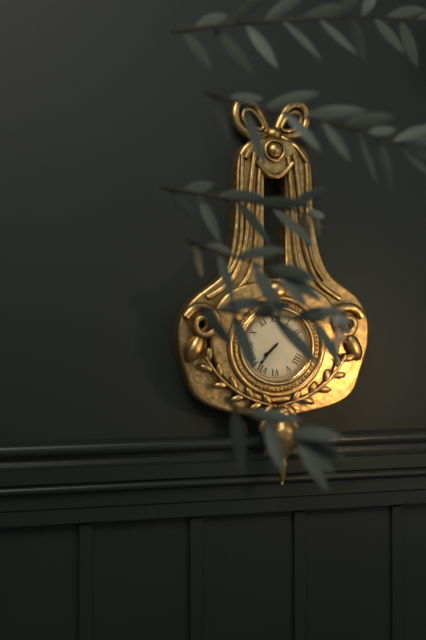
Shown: h=7 m=37
